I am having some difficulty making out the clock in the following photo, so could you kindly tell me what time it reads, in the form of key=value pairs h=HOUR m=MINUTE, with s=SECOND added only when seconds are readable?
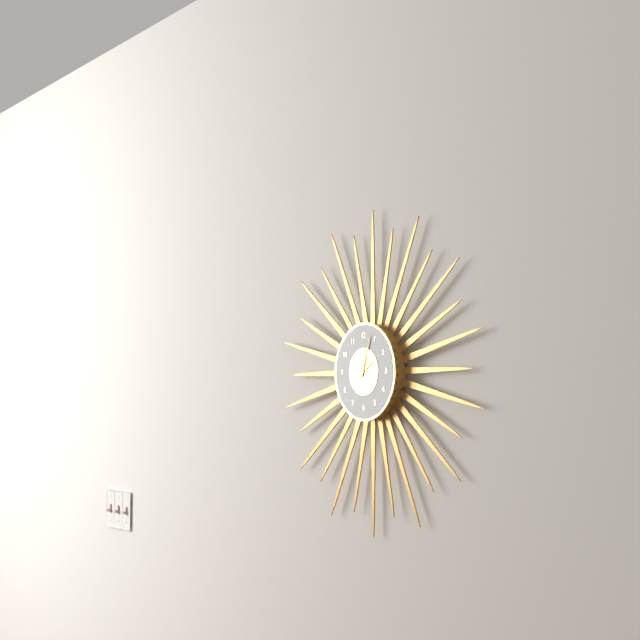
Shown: h=2 m=3
